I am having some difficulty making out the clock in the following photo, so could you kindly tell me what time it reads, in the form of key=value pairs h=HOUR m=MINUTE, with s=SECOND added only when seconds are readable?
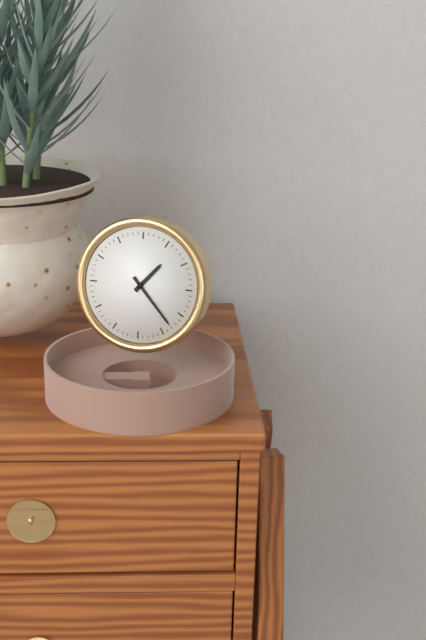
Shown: h=1 m=23
